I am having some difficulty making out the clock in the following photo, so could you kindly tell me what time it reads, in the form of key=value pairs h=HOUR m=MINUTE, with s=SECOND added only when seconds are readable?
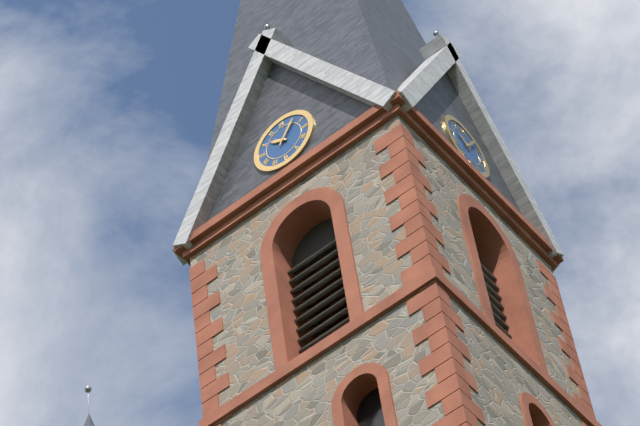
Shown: h=10 m=6
